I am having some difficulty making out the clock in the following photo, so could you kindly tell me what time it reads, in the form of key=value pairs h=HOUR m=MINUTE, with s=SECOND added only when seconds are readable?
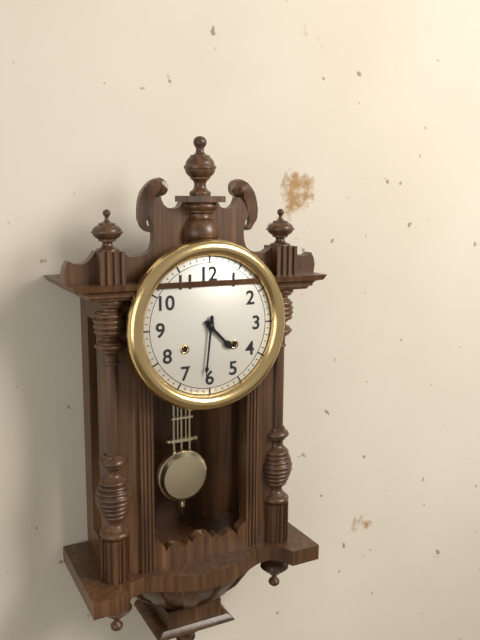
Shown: h=4 m=31
